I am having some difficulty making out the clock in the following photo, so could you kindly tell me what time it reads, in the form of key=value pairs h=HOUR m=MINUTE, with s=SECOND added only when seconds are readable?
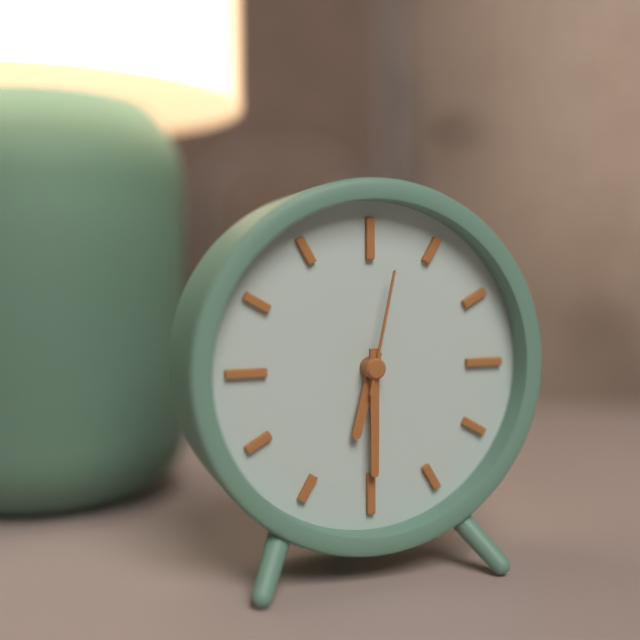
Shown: h=6 m=30 s=2
